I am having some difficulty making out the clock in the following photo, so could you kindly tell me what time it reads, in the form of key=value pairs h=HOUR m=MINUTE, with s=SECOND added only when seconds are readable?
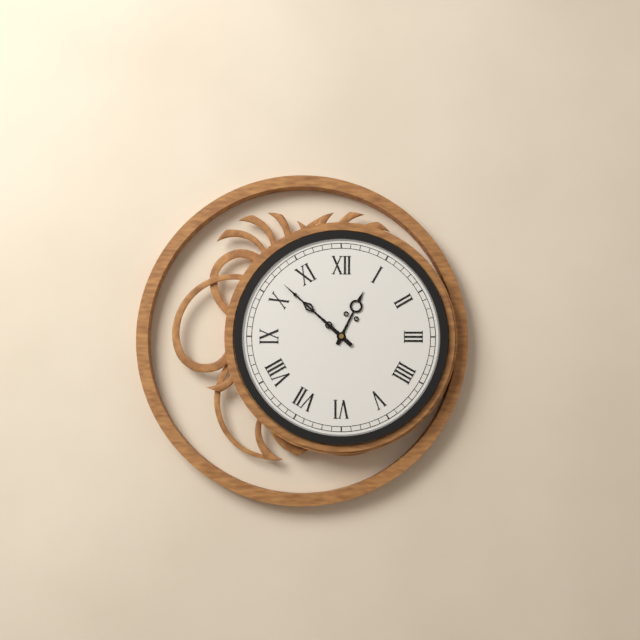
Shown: h=12 m=52
